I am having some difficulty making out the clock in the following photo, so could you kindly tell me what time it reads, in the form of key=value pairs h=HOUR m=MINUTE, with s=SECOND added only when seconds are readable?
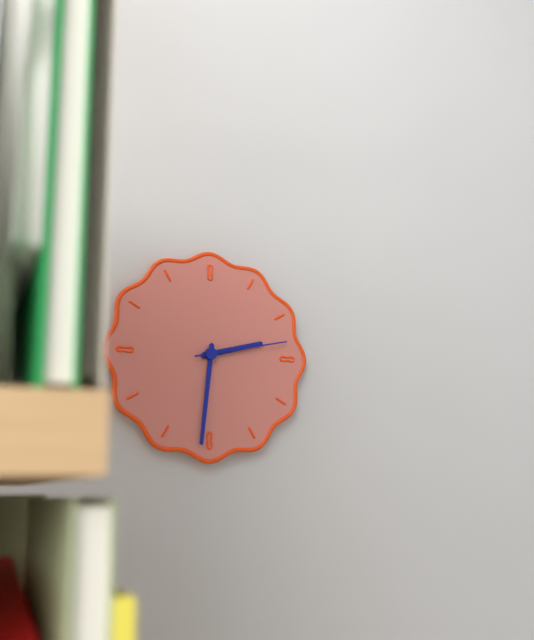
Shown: h=2 m=31 s=13
